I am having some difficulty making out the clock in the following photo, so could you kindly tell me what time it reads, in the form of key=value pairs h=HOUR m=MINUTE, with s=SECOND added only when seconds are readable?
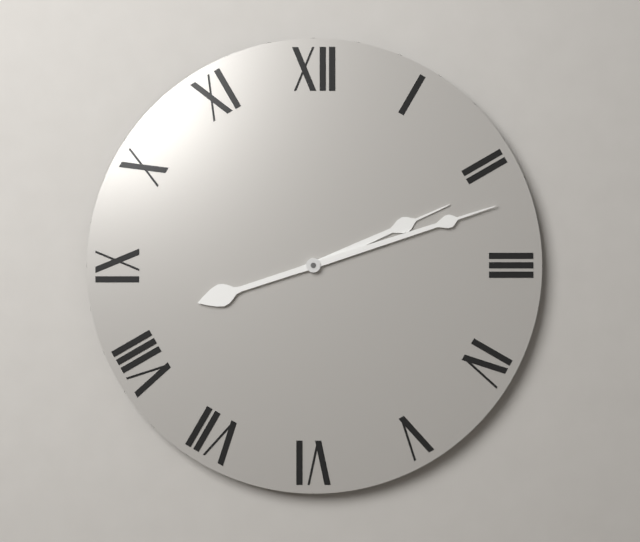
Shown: h=2 m=12
